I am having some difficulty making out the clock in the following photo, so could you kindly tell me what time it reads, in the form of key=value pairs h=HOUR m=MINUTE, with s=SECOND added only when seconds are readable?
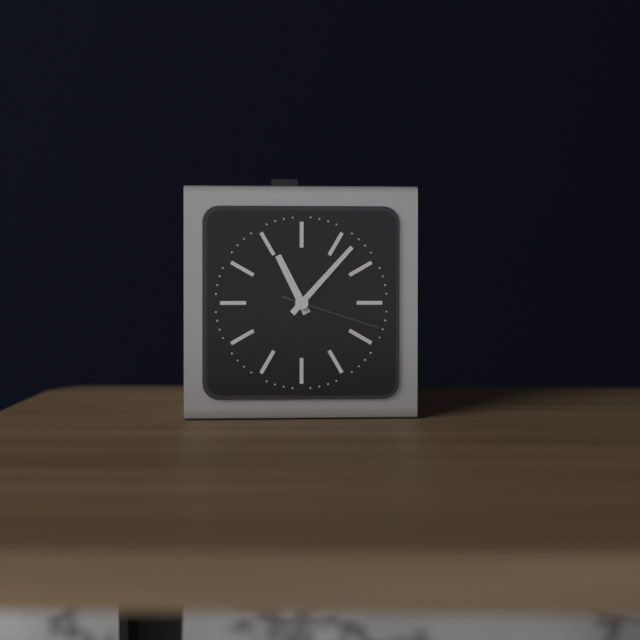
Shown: h=11 m=7 s=18
